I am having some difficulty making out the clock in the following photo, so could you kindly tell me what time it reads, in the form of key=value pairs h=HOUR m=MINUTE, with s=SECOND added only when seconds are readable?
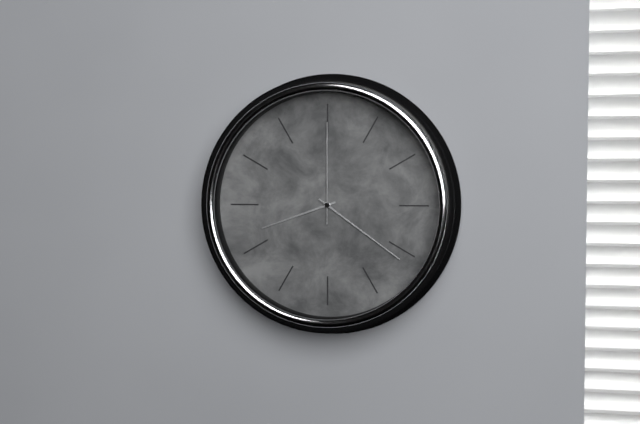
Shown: h=8 m=21 s=0
